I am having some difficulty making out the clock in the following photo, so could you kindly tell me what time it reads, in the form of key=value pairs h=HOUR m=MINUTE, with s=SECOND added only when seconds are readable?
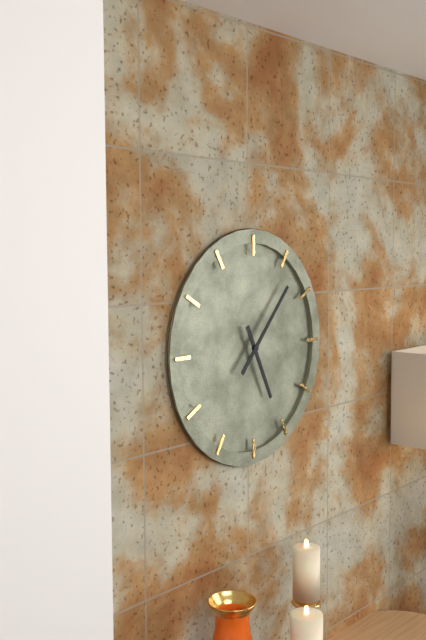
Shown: h=5 m=7
